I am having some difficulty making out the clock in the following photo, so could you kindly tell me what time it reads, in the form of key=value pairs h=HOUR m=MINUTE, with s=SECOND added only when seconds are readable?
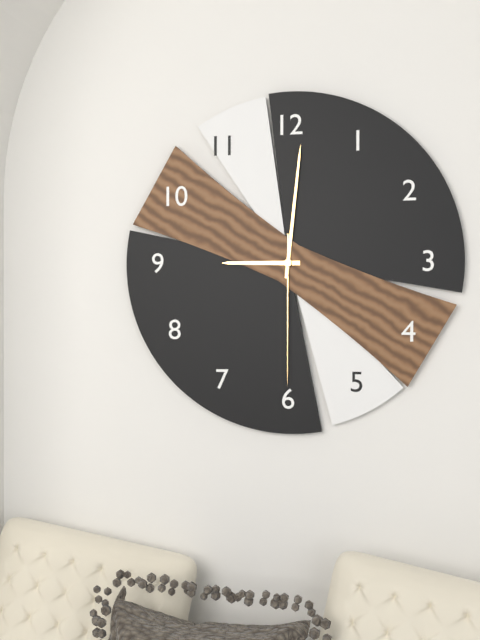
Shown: h=9 m=1 s=30
